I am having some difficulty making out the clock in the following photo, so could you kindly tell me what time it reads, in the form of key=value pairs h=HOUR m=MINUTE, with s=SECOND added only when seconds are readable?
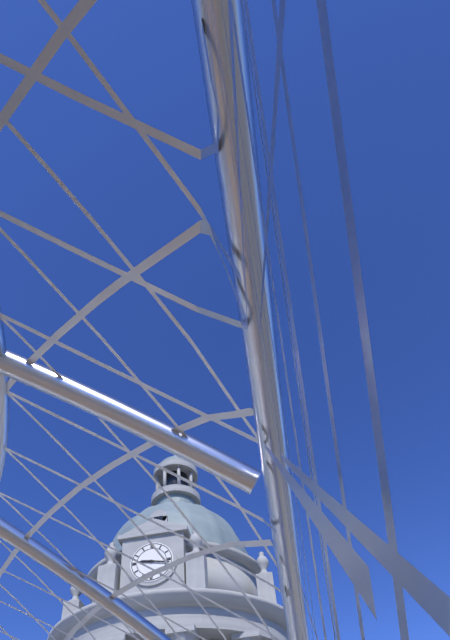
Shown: h=9 m=17
